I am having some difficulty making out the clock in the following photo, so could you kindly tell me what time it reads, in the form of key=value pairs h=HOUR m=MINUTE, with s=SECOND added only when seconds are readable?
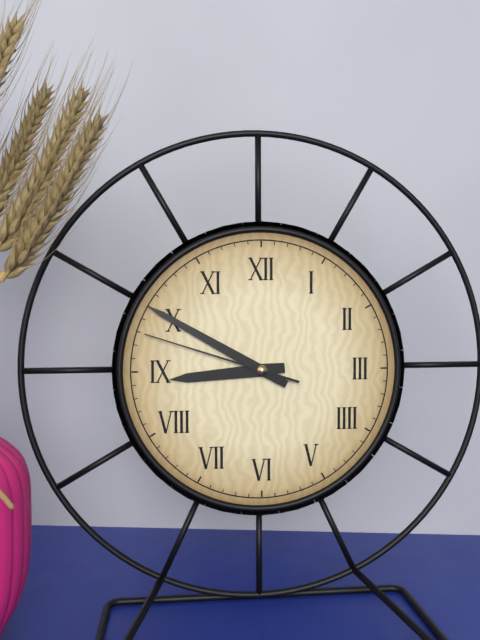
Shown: h=8 m=50 s=48
